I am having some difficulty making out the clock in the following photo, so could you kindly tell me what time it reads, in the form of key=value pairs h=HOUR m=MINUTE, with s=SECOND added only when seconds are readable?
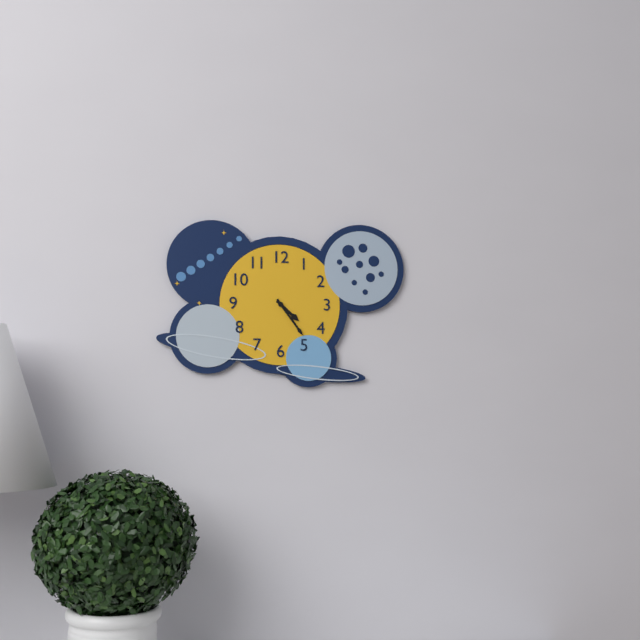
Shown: h=4 m=24
